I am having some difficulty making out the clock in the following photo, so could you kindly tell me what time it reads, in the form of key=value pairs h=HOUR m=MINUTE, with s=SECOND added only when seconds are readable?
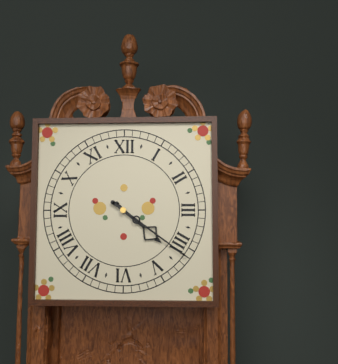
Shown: h=4 m=21
